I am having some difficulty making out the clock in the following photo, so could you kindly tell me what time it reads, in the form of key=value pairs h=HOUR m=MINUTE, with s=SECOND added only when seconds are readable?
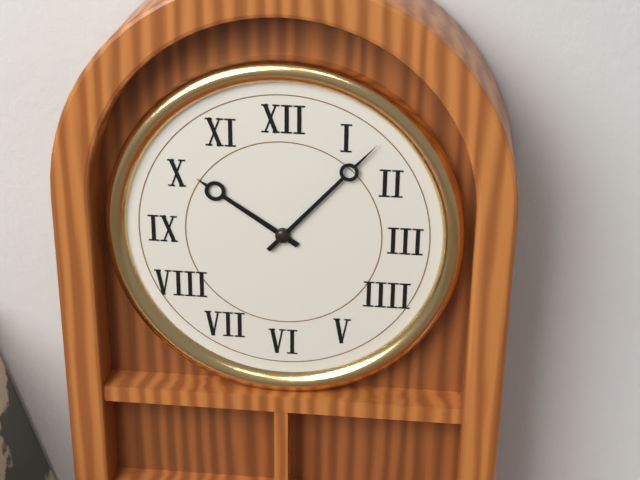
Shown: h=10 m=7
